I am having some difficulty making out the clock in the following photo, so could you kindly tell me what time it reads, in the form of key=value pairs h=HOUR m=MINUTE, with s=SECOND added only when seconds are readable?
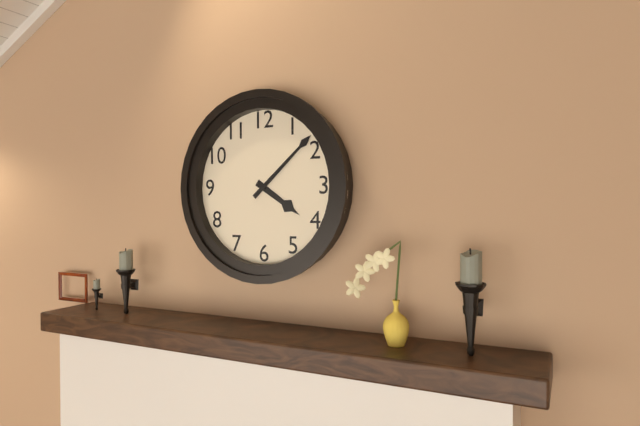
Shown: h=4 m=8
